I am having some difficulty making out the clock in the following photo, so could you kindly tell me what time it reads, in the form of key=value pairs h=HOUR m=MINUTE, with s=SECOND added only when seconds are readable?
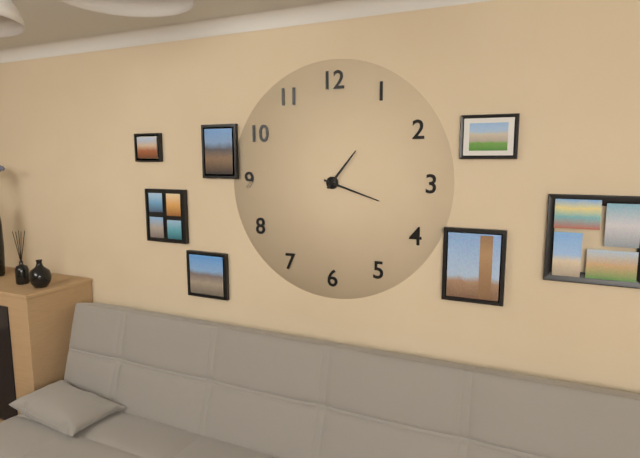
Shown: h=1 m=18
